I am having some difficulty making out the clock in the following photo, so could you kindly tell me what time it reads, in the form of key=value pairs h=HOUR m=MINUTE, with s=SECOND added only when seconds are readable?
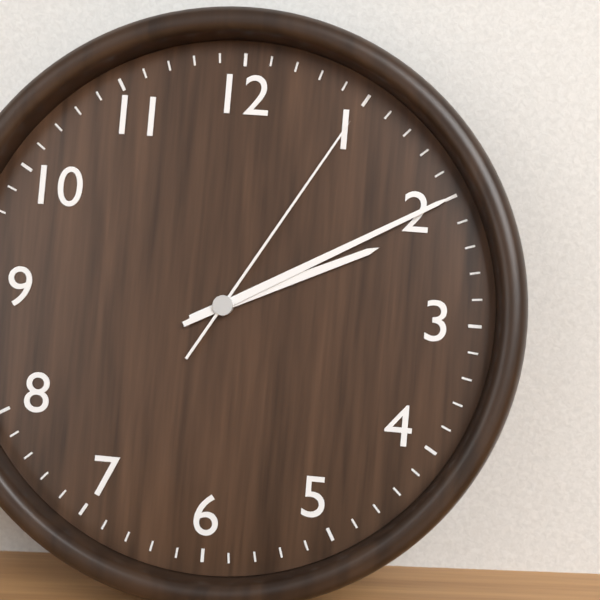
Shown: h=2 m=10 s=5
